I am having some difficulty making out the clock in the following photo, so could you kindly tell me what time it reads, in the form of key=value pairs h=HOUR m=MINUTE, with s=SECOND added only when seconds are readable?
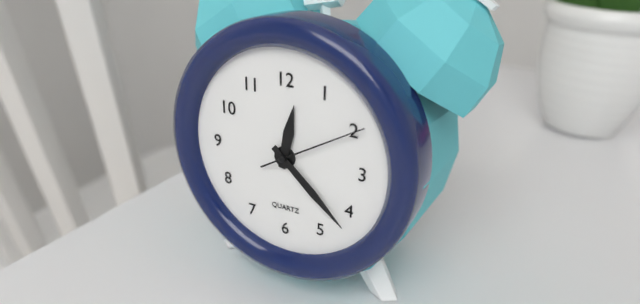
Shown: h=12 m=22 s=10
